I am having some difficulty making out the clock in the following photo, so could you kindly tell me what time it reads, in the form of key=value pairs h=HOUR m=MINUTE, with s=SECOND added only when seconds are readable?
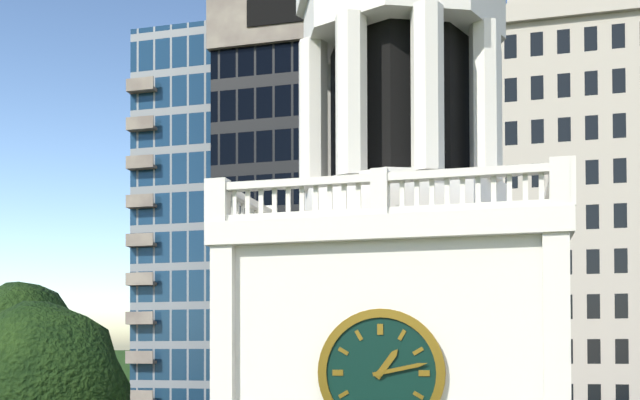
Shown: h=1 m=13
